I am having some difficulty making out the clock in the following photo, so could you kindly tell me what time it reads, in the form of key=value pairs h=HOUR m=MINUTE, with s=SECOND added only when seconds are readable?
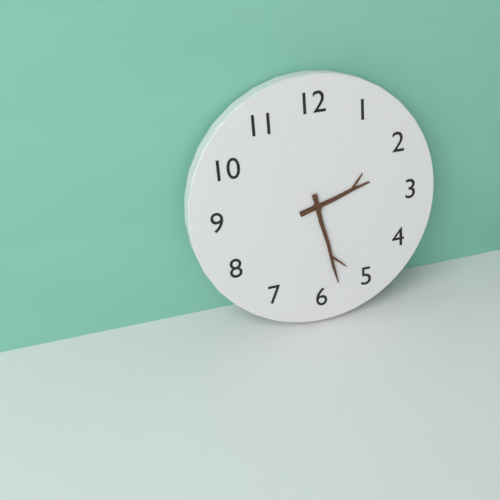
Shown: h=2 m=28
